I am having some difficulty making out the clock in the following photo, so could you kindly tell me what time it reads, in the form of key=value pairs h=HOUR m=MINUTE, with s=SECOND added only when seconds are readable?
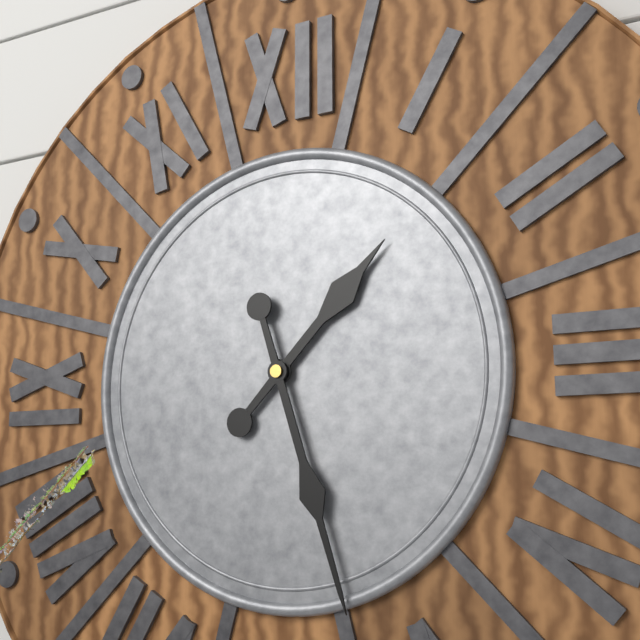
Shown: h=1 m=27
